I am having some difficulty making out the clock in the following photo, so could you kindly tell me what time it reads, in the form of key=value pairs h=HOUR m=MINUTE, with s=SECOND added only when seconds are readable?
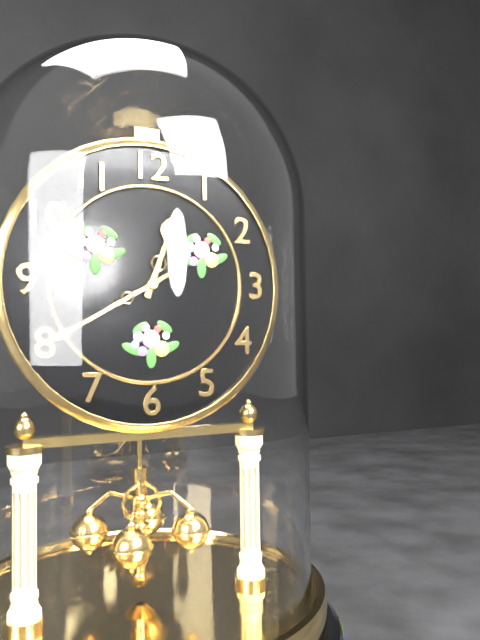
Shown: h=12 m=40
